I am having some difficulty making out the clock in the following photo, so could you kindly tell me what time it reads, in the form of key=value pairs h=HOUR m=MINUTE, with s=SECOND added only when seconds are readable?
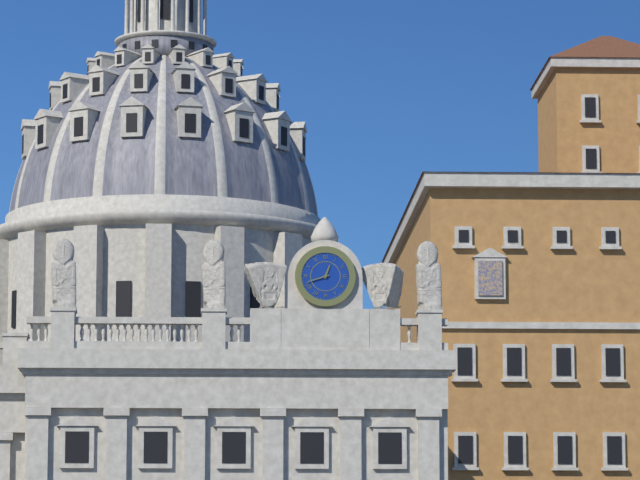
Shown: h=12 m=42
